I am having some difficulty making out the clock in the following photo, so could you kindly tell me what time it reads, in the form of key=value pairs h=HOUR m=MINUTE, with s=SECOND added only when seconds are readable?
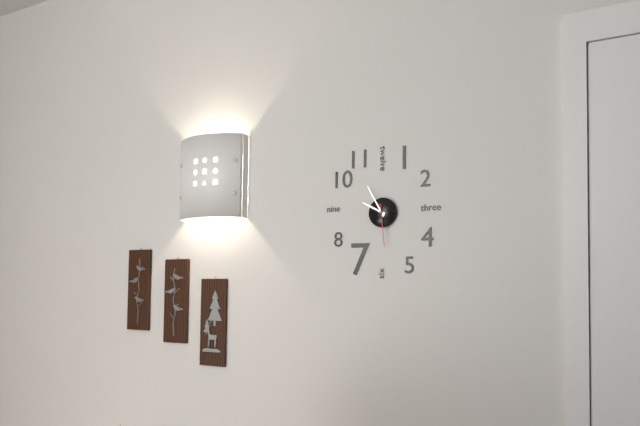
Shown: h=9 m=55
